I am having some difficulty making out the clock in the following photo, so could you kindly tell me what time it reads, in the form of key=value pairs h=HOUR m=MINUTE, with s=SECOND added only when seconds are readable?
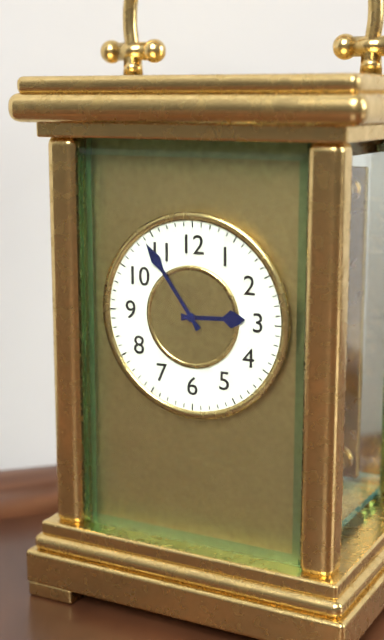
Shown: h=2 m=54
